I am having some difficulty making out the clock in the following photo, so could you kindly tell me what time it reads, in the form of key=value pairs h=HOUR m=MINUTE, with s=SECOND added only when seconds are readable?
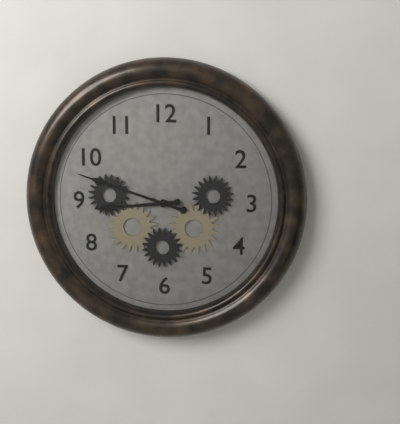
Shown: h=8 m=48
